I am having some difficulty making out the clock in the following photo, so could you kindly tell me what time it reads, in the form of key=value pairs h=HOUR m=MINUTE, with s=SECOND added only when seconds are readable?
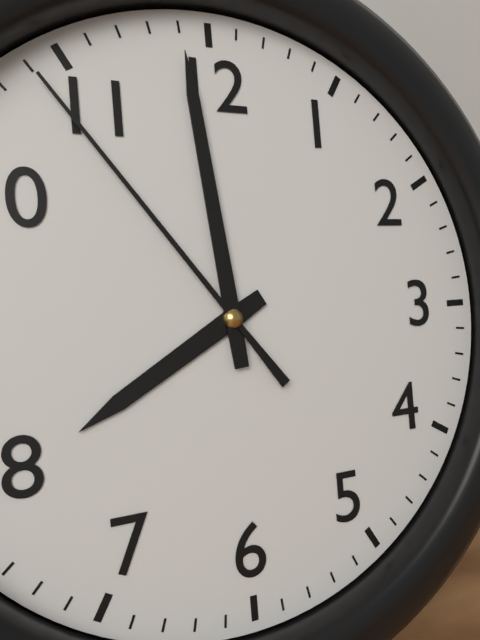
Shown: h=7 m=59 s=54
